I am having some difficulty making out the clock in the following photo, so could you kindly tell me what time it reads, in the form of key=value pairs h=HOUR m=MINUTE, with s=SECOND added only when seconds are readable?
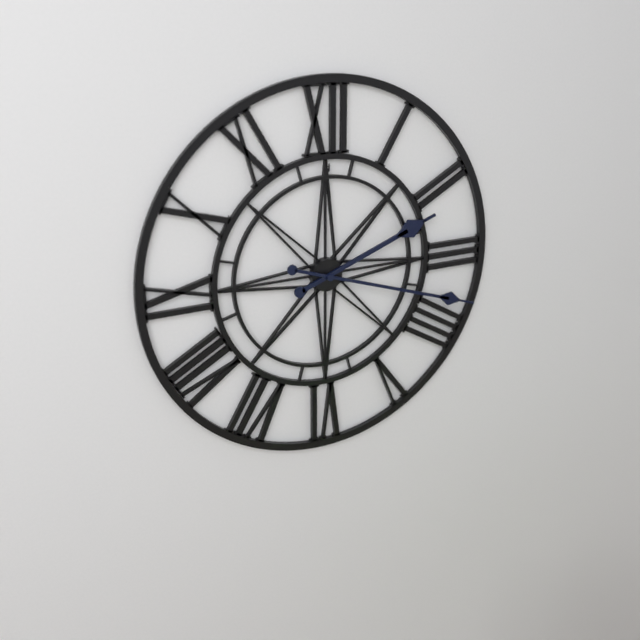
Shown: h=2 m=18
